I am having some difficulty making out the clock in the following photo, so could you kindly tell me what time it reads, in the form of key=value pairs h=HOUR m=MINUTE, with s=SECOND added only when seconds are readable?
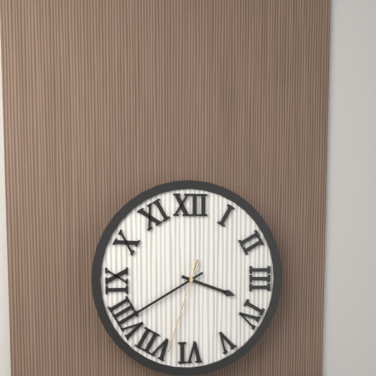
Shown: h=3 m=40 s=33
